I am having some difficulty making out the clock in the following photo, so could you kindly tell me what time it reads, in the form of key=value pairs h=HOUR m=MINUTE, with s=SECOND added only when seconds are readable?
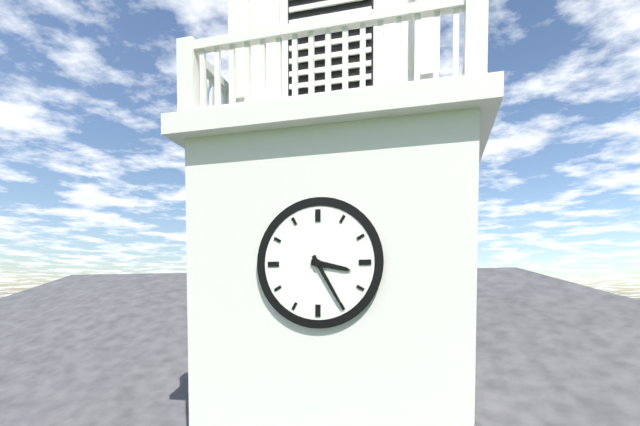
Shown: h=3 m=25
